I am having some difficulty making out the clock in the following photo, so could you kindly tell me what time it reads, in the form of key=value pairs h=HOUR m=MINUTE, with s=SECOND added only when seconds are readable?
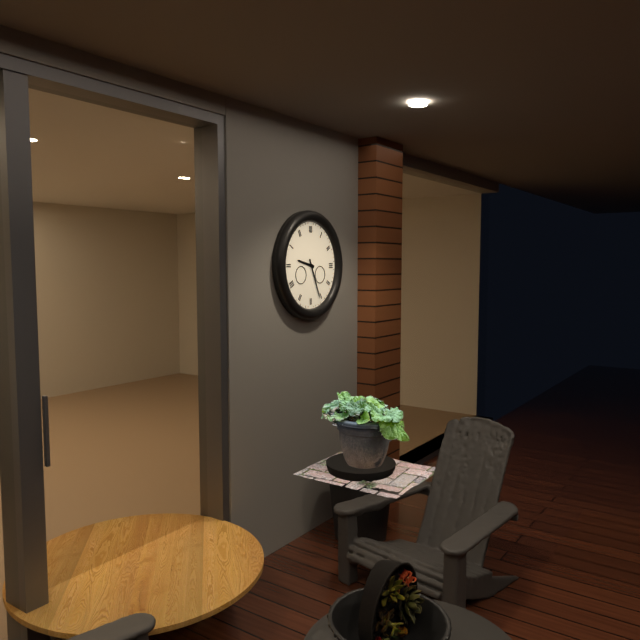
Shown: h=9 m=26
